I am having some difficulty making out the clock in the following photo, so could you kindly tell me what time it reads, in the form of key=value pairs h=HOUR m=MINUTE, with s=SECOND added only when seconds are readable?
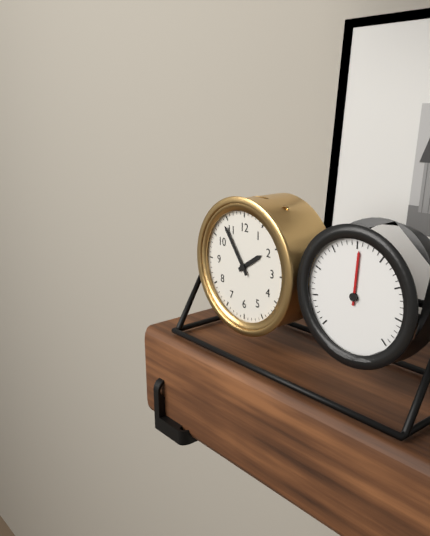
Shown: h=1 m=54
